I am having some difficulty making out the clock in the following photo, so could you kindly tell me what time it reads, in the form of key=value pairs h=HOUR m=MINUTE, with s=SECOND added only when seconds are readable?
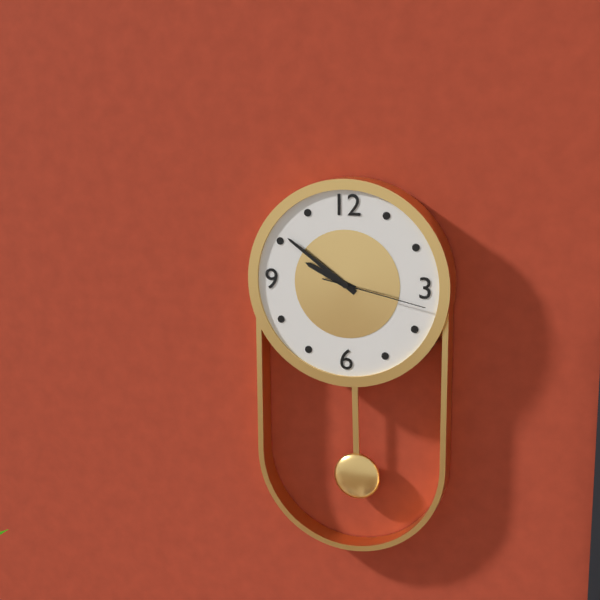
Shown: h=9 m=51 s=17
